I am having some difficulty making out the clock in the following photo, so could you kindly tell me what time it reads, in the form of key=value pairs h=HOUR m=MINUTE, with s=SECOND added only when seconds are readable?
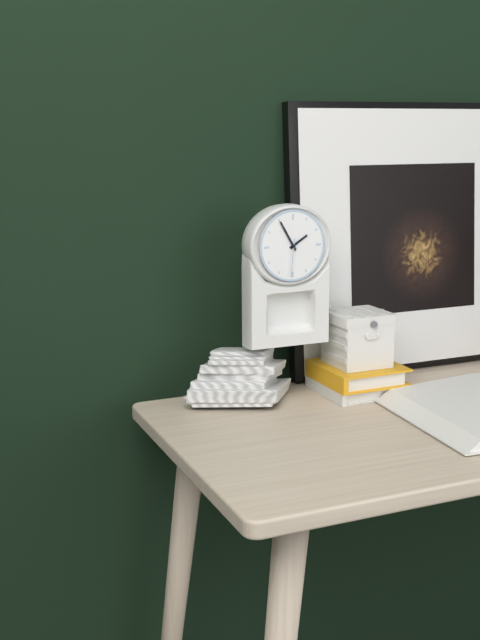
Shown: h=1 m=55
